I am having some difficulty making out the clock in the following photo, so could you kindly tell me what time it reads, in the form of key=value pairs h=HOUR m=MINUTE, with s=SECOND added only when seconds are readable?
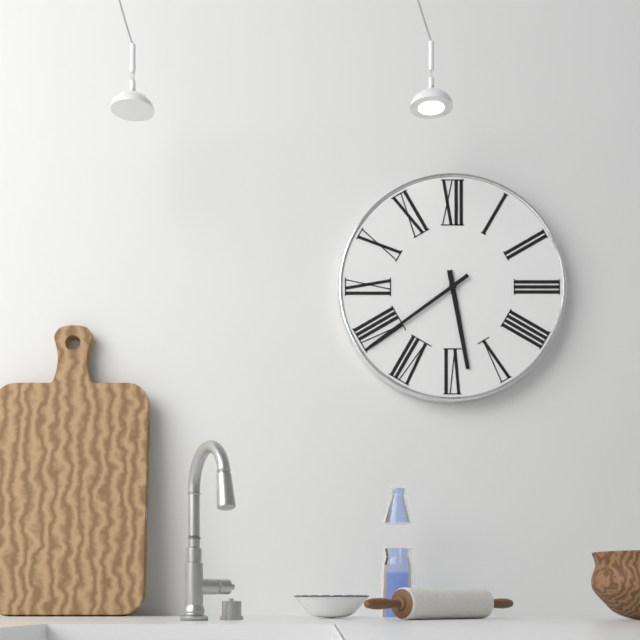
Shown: h=5 m=39
